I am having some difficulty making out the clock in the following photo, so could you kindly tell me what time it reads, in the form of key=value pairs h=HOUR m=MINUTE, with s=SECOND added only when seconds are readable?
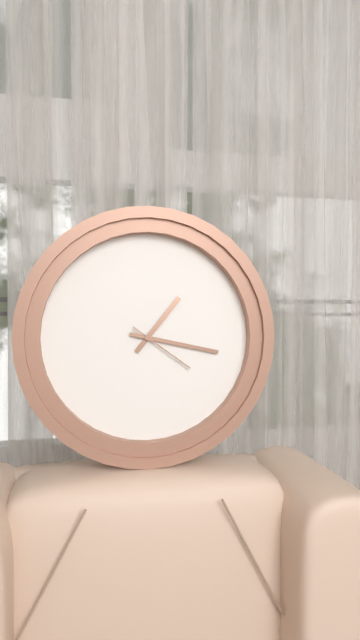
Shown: h=1 m=17 s=21
